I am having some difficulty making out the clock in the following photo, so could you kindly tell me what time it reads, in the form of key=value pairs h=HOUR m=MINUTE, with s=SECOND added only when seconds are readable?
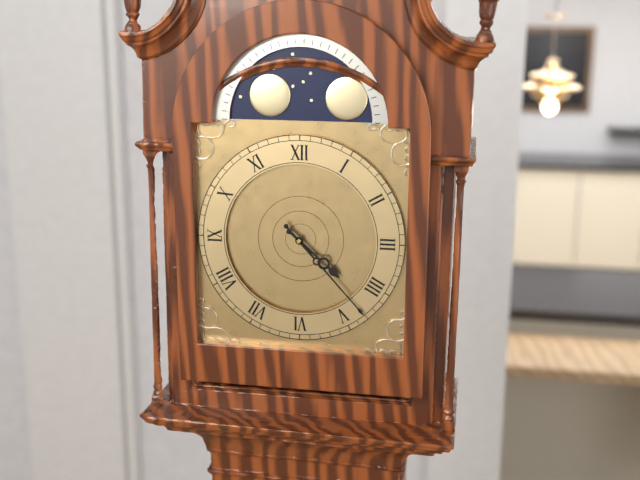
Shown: h=4 m=23
